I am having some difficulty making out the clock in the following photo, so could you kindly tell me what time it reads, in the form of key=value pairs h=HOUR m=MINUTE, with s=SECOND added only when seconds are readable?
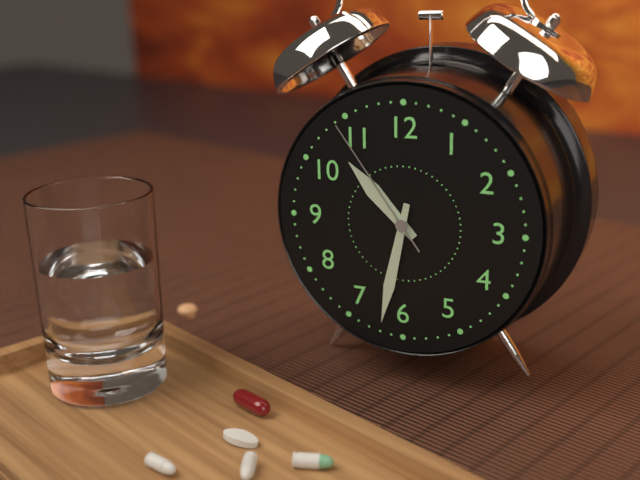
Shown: h=10 m=32 s=54
